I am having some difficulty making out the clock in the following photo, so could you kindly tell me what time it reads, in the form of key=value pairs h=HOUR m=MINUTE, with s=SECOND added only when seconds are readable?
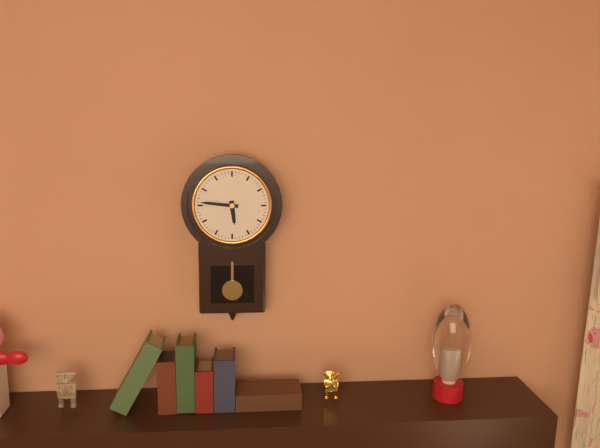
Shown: h=5 m=46
